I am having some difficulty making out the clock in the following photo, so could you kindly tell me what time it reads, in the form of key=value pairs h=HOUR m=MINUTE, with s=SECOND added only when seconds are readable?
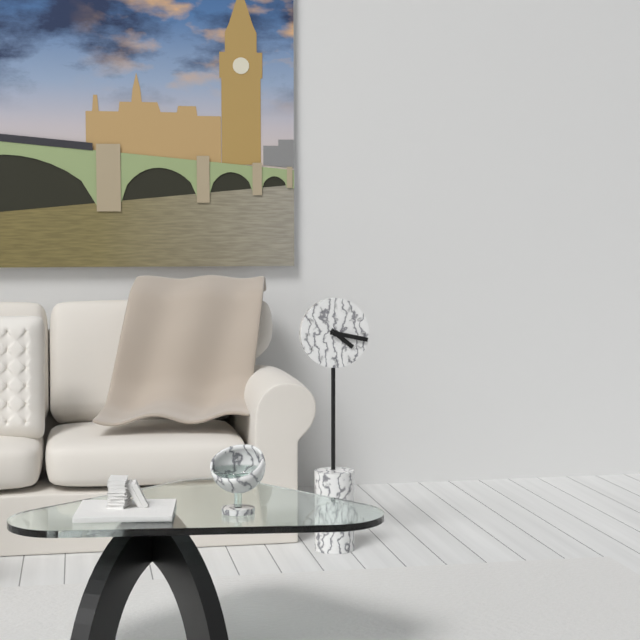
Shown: h=4 m=17
